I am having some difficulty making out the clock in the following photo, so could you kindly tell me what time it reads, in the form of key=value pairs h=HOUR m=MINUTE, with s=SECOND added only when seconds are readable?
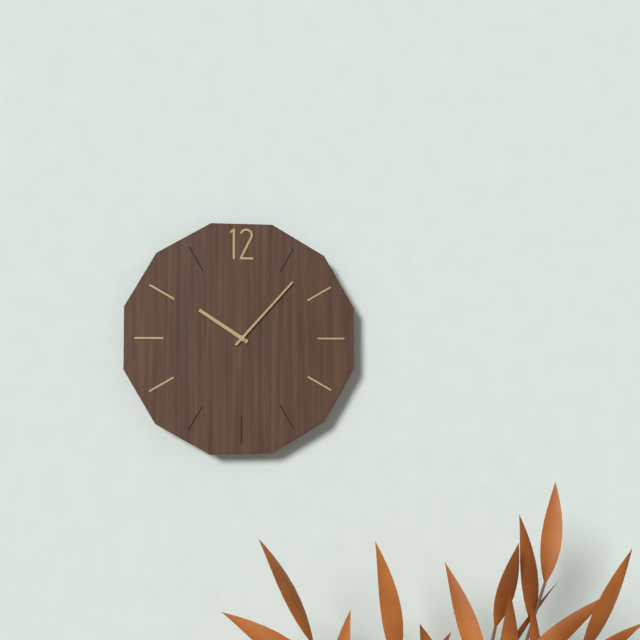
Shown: h=10 m=7
